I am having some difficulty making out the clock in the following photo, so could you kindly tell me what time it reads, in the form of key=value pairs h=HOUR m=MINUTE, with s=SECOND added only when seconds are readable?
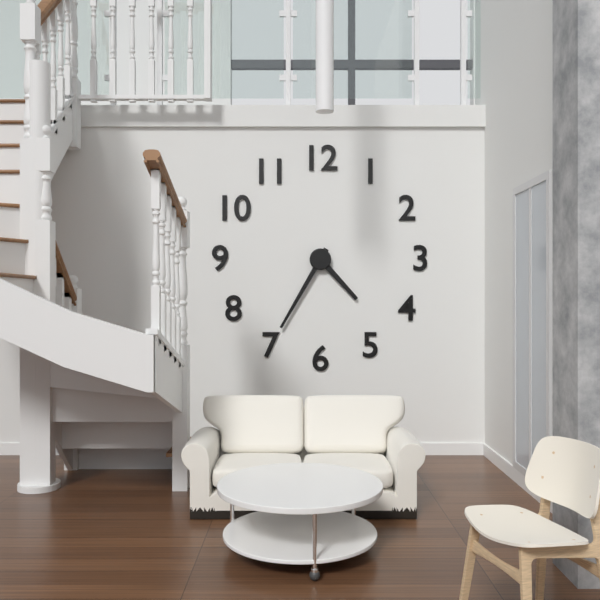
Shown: h=4 m=35
